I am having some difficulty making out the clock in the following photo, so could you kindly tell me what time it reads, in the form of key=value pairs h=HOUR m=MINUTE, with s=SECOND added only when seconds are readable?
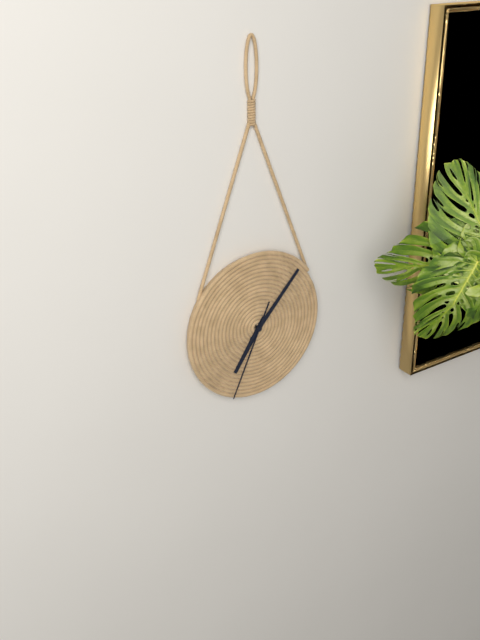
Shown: h=7 m=7 s=34
